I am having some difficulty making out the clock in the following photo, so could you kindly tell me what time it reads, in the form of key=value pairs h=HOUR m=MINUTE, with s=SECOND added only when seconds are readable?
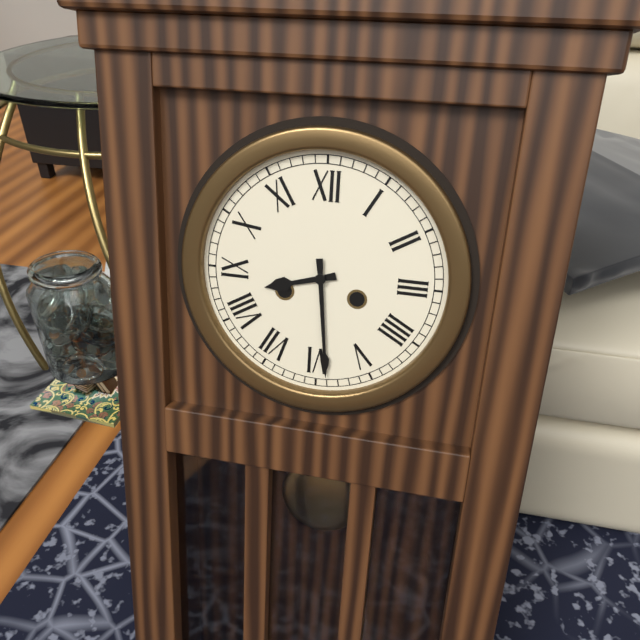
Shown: h=8 m=29
